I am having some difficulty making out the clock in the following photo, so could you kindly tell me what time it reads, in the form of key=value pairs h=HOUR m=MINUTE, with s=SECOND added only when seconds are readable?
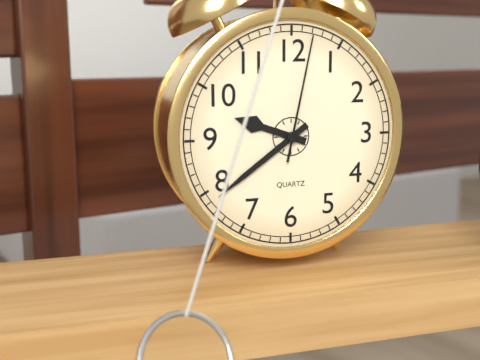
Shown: h=9 m=39 s=2
